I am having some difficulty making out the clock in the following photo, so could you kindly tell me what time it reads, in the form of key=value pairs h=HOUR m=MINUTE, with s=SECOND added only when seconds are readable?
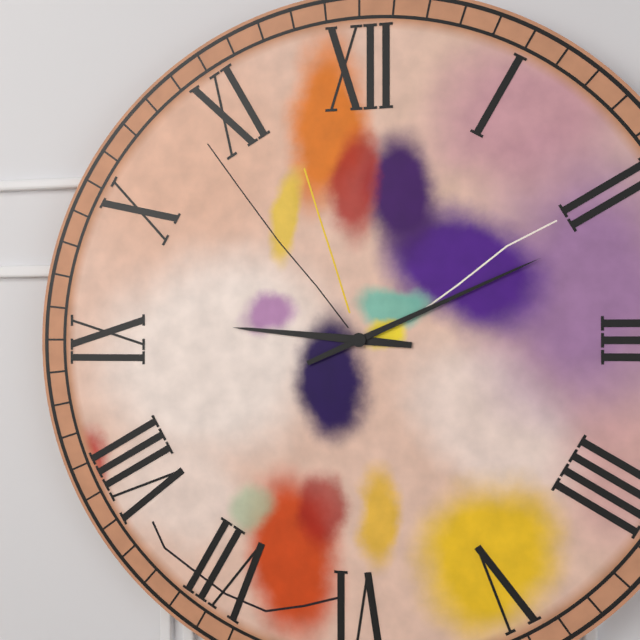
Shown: h=9 m=11
